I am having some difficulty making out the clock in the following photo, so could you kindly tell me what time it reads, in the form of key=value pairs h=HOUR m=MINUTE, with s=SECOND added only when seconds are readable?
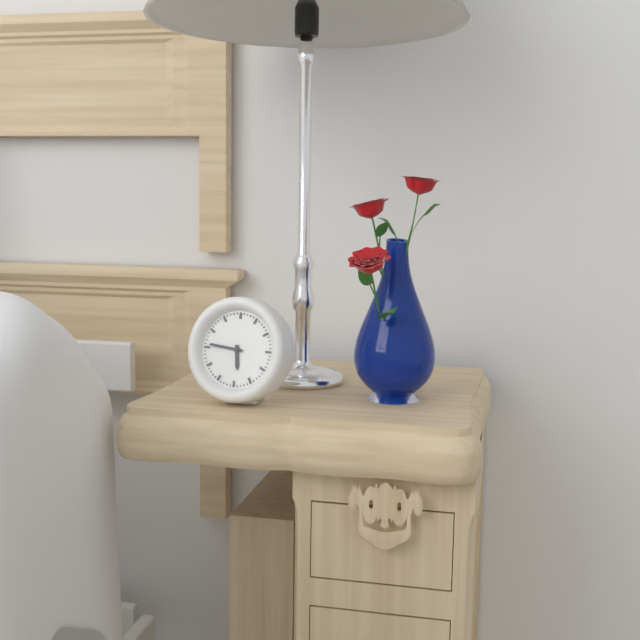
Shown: h=5 m=46
